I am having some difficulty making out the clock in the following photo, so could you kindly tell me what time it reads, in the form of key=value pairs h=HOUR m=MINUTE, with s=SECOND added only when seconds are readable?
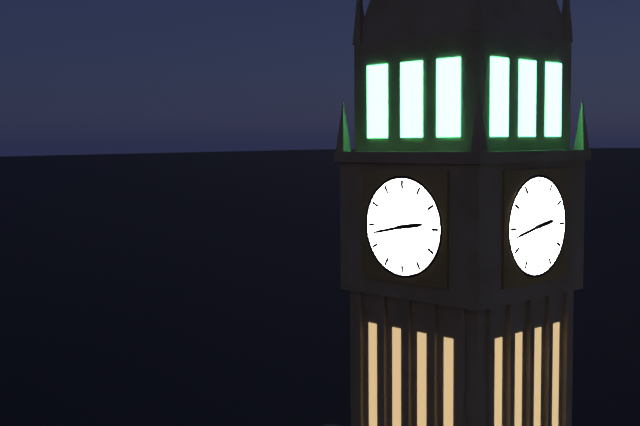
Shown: h=2 m=43
